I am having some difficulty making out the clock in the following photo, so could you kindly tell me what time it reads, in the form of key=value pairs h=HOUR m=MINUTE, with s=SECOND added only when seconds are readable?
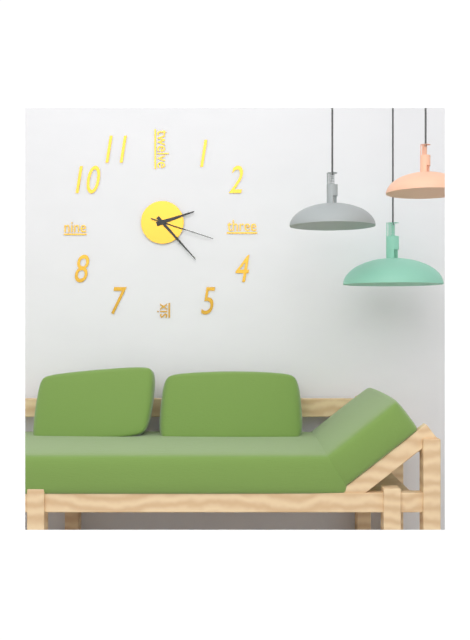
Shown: h=2 m=23 s=18
